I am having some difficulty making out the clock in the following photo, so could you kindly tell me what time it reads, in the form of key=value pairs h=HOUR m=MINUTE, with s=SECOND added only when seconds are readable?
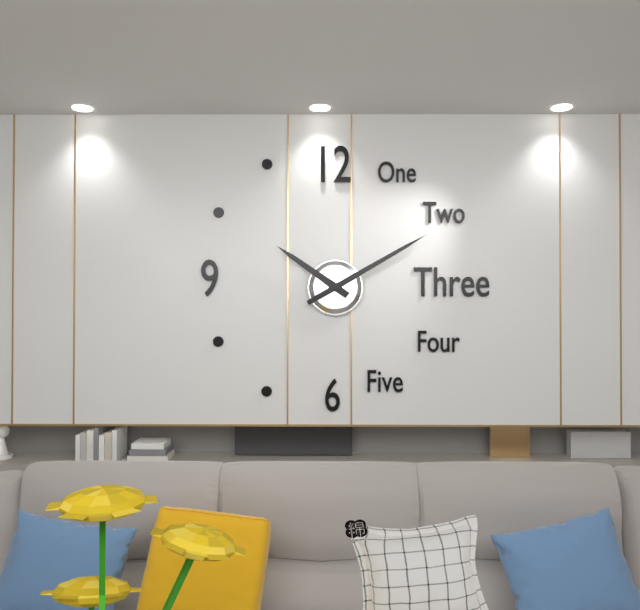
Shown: h=10 m=10
